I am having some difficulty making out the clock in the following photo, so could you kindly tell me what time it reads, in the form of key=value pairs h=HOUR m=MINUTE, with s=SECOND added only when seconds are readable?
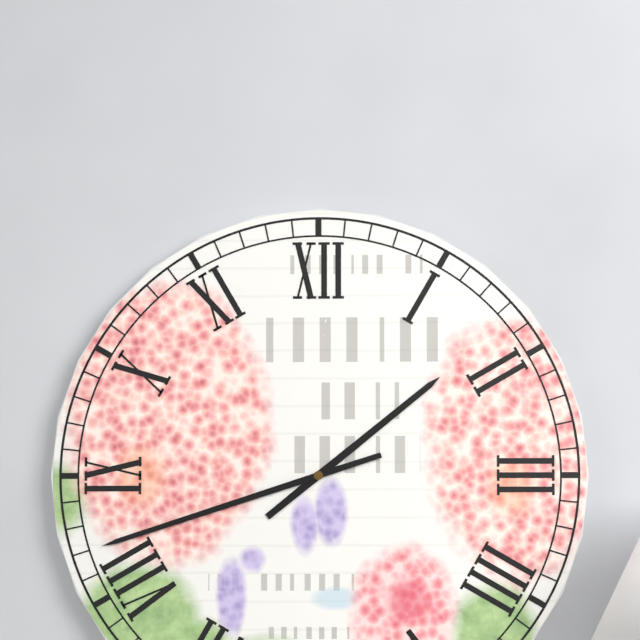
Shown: h=1 m=42
